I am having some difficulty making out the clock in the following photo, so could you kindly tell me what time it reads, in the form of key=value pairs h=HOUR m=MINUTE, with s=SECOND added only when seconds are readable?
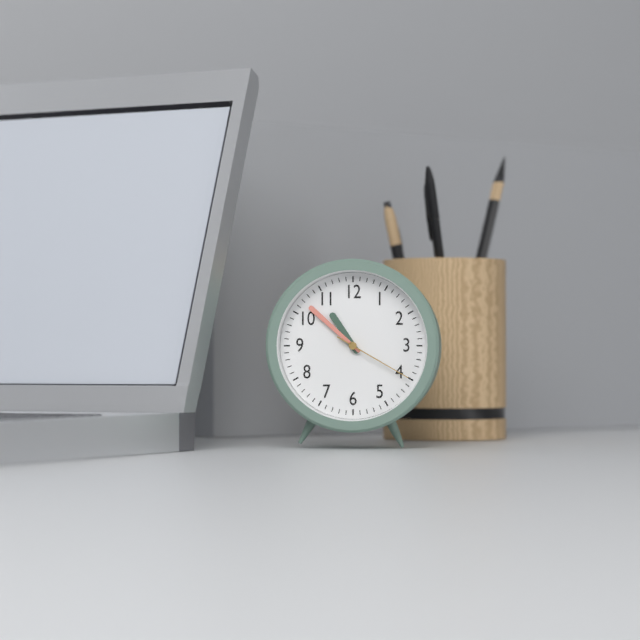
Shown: h=10 m=52 s=20
